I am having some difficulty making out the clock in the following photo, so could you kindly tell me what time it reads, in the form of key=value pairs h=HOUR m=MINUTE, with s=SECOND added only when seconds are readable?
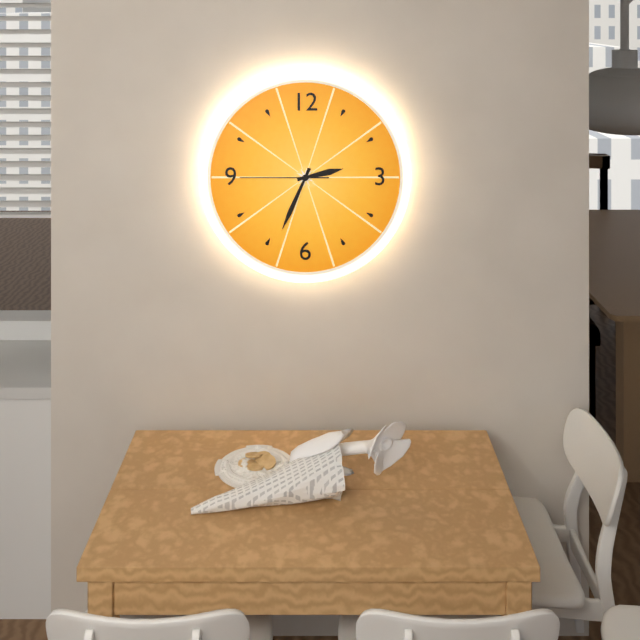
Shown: h=2 m=34 s=45
